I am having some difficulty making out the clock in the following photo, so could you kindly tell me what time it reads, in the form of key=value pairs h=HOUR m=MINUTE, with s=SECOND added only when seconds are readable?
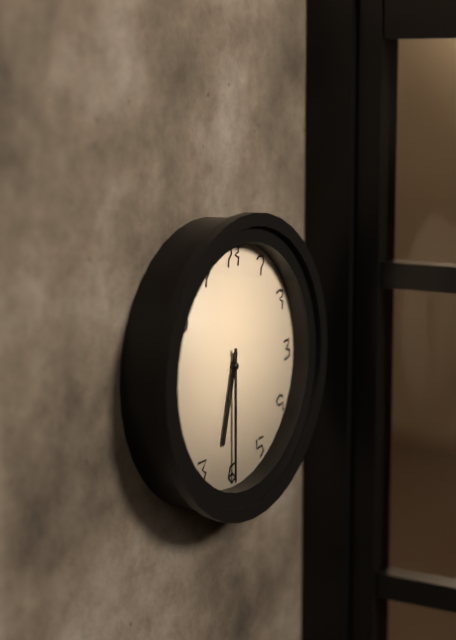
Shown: h=6 m=30
